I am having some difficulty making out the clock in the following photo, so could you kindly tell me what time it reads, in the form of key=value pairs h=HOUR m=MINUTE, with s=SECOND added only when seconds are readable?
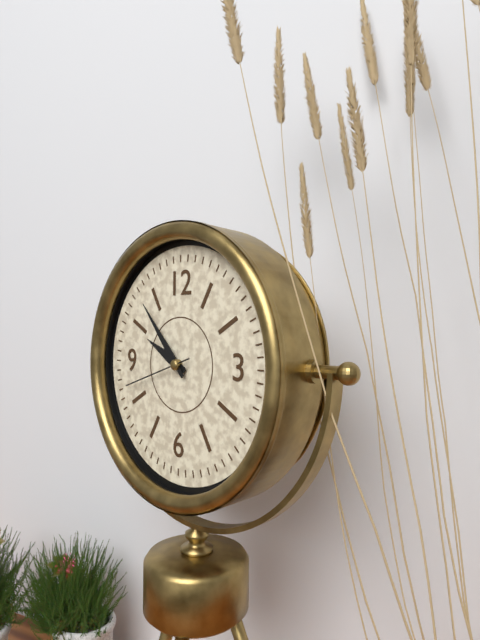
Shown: h=9 m=53 s=42
